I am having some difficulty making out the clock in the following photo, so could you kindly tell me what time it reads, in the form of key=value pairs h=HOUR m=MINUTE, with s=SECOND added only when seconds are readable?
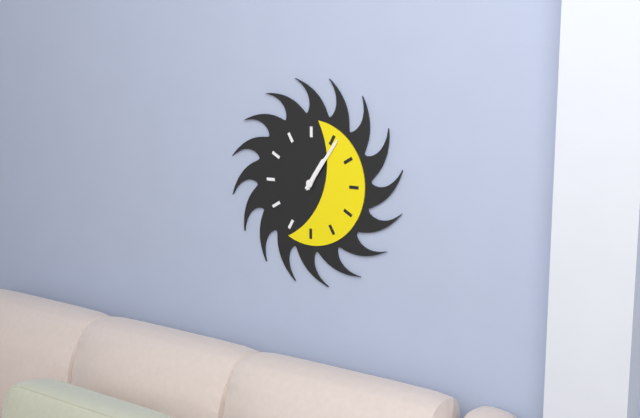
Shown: h=1 m=6
